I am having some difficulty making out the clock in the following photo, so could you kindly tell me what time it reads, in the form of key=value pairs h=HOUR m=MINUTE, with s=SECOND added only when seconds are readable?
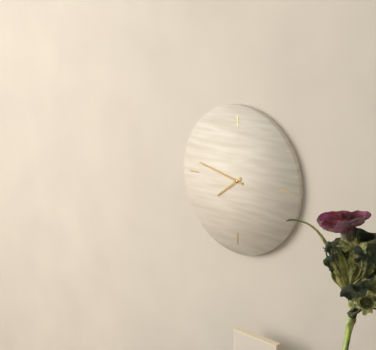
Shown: h=7 m=47
